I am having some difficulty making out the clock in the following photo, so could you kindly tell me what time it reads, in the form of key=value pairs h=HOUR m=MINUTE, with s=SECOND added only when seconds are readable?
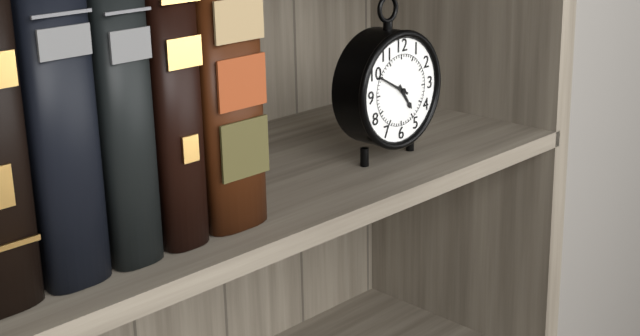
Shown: h=4 m=50
